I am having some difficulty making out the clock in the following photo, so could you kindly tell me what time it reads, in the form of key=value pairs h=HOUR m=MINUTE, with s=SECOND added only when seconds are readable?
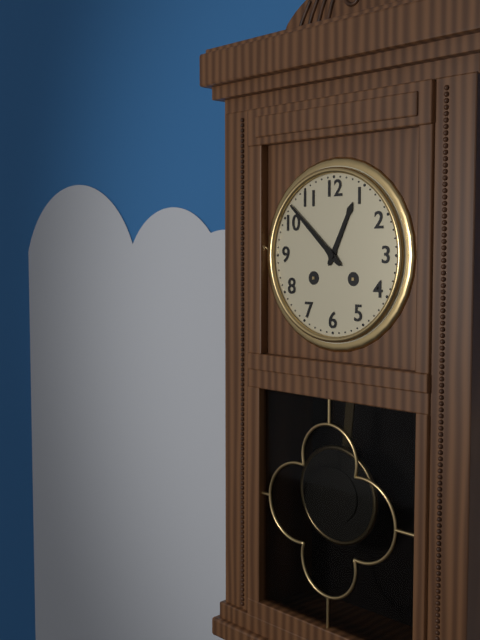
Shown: h=12 m=52
